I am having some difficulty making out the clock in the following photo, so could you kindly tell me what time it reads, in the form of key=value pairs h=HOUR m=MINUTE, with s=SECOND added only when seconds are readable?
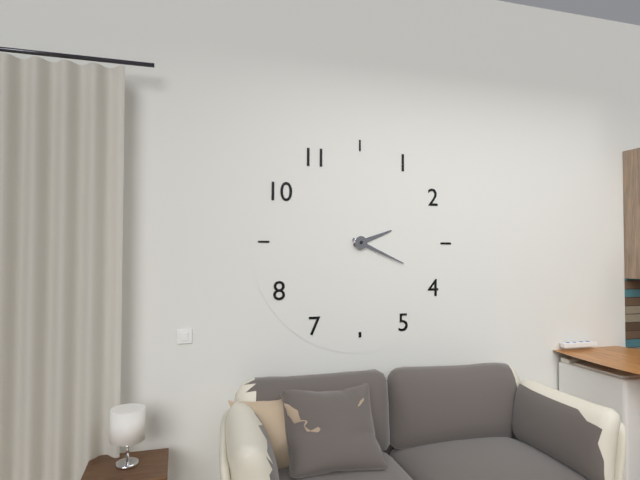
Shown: h=2 m=19
